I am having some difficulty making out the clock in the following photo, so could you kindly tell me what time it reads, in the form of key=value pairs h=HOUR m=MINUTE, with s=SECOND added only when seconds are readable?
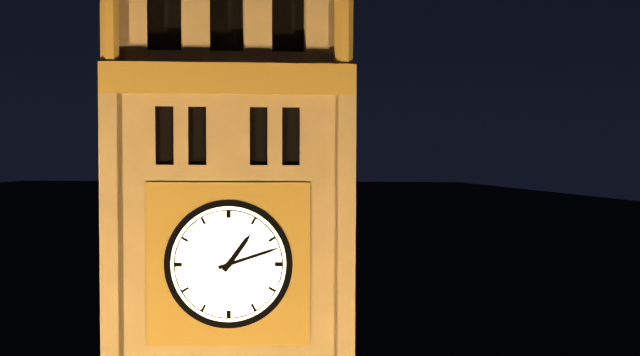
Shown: h=1 m=12
